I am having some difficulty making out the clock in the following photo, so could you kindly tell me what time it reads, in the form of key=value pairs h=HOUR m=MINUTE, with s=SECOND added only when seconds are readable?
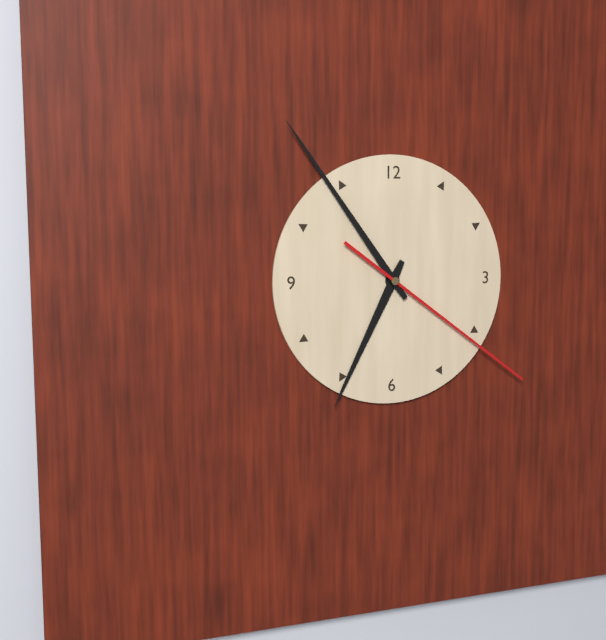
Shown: h=6 m=54 s=21
